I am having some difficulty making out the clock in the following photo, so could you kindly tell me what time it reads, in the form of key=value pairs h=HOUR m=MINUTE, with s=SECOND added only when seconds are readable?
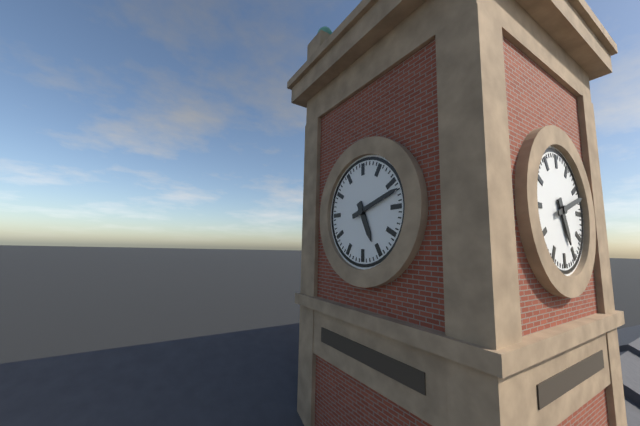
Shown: h=5 m=12
